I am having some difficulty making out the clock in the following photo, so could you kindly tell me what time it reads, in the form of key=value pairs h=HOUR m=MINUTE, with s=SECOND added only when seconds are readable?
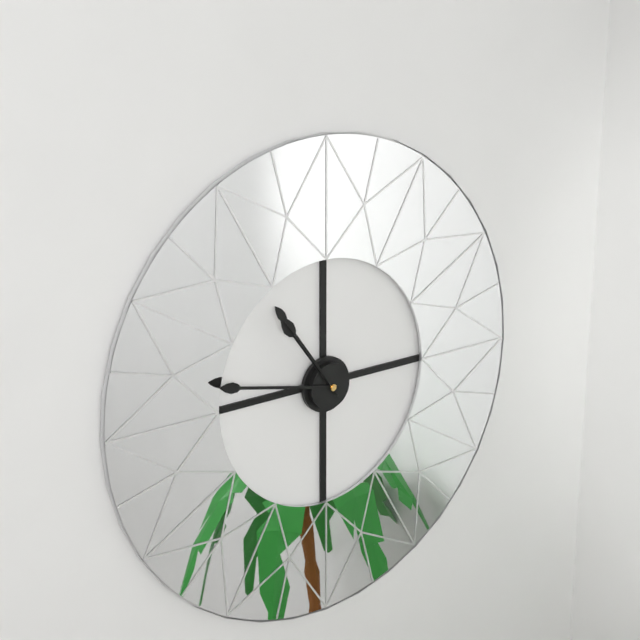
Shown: h=10 m=47 s=54
